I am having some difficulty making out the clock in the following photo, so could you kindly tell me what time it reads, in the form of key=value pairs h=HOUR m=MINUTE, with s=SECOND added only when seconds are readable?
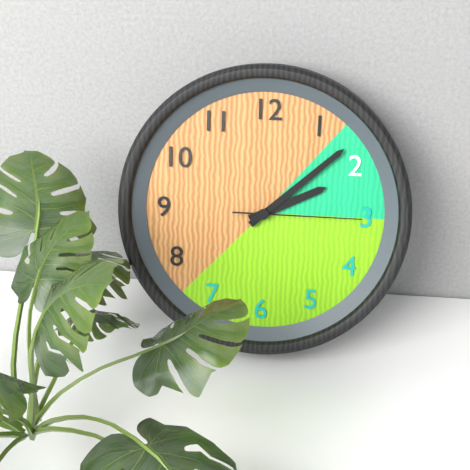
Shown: h=2 m=8 s=15
